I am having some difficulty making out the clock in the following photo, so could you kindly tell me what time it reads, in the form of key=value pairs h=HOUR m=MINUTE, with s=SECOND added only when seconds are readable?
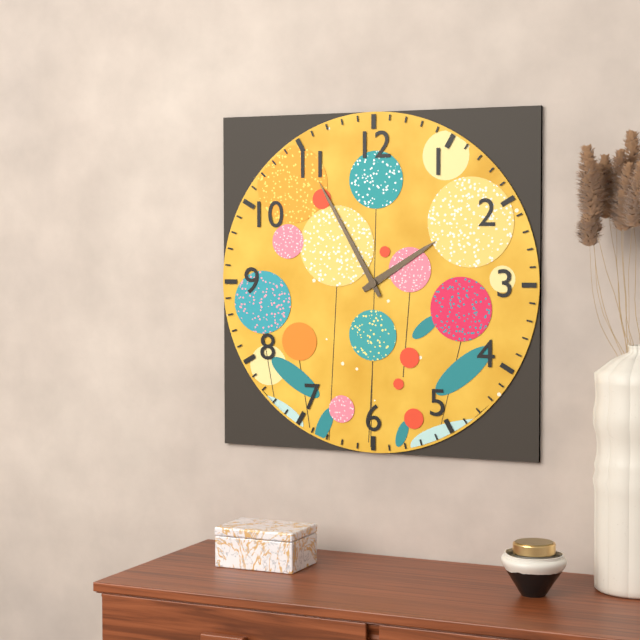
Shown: h=1 m=55
